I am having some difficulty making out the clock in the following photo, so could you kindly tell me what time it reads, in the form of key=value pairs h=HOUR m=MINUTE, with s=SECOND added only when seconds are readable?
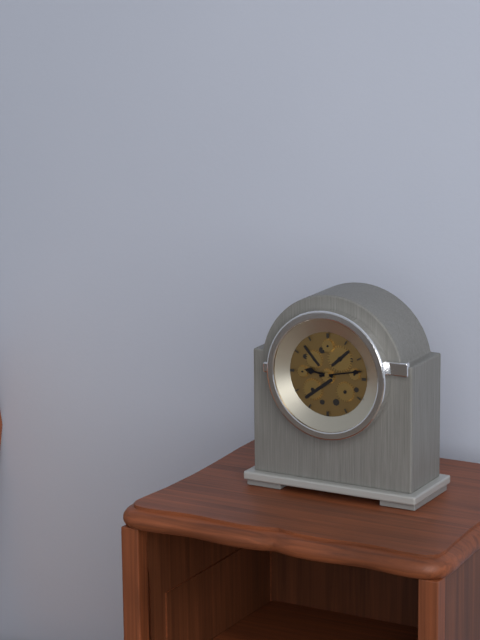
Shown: h=9 m=13
